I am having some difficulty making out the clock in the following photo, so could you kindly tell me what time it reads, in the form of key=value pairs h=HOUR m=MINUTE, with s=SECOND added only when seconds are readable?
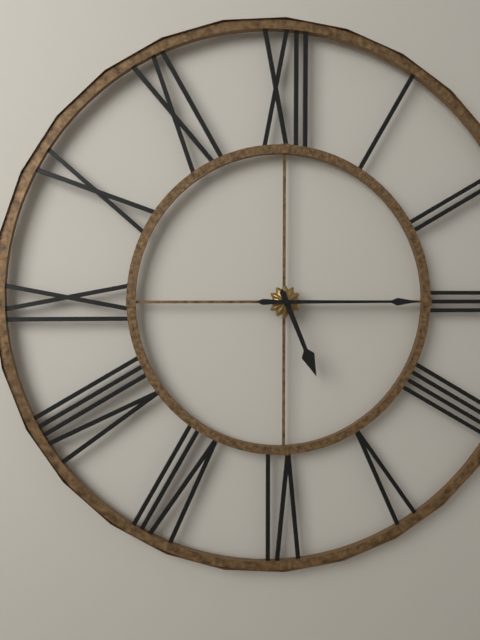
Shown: h=5 m=15
